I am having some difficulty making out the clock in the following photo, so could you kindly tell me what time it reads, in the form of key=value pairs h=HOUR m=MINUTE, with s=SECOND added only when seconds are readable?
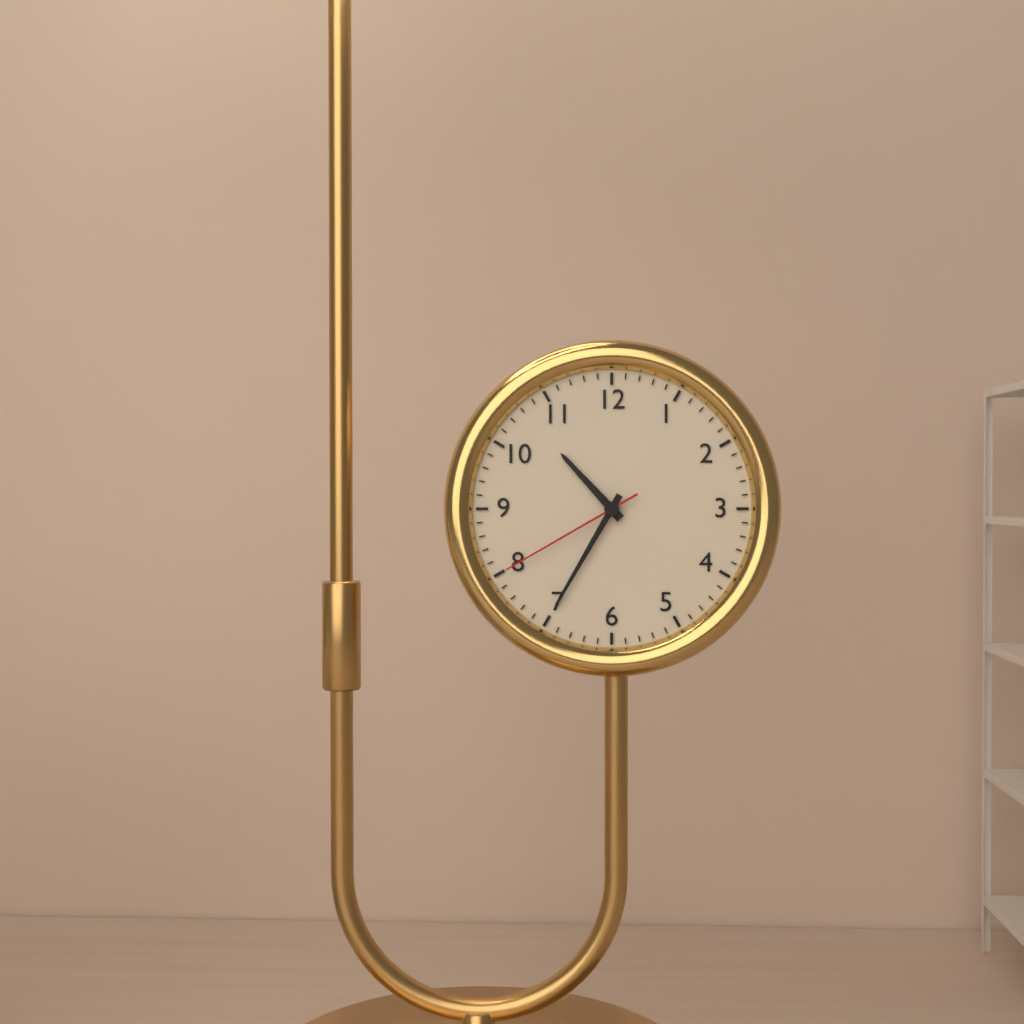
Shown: h=10 m=35 s=40
